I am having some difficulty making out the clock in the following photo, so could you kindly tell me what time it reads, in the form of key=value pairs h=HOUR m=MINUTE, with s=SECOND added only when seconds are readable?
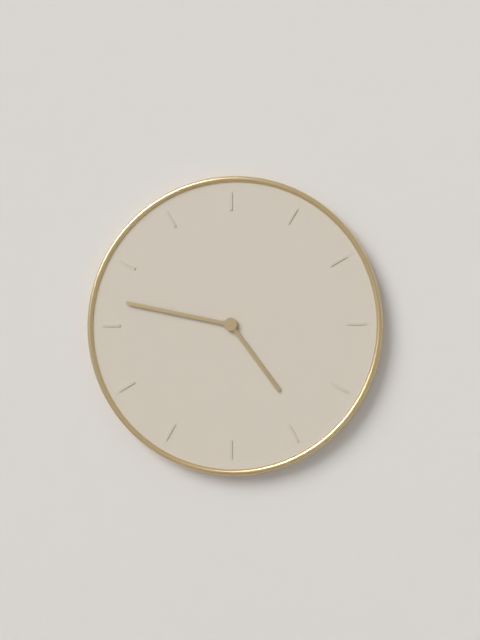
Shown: h=4 m=47
